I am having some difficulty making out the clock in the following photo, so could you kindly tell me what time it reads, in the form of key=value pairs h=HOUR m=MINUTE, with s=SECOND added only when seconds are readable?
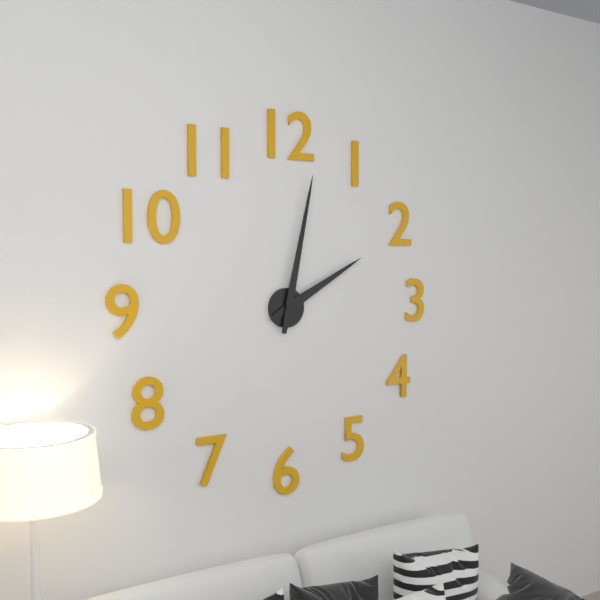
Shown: h=2 m=2
